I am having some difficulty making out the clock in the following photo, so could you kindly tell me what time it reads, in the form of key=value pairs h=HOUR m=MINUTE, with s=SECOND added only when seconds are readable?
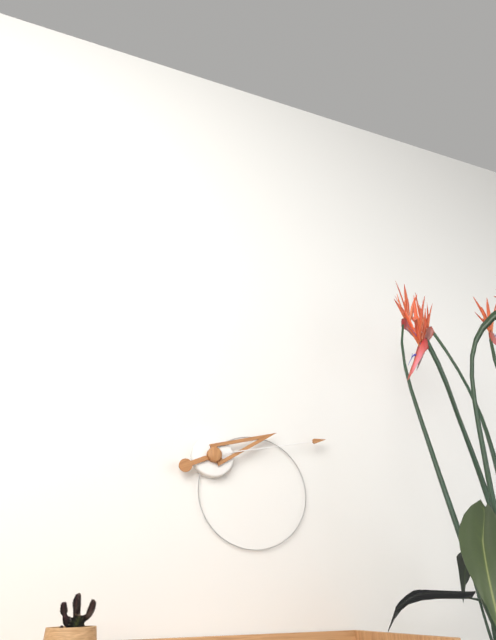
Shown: h=2 m=13
